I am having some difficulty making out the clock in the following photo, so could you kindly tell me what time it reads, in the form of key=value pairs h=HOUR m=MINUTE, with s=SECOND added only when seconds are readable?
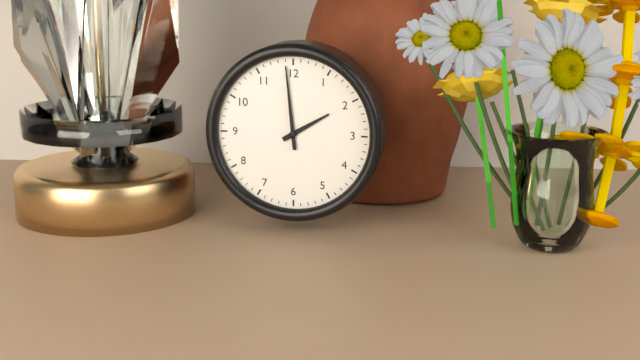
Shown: h=1 m=59
